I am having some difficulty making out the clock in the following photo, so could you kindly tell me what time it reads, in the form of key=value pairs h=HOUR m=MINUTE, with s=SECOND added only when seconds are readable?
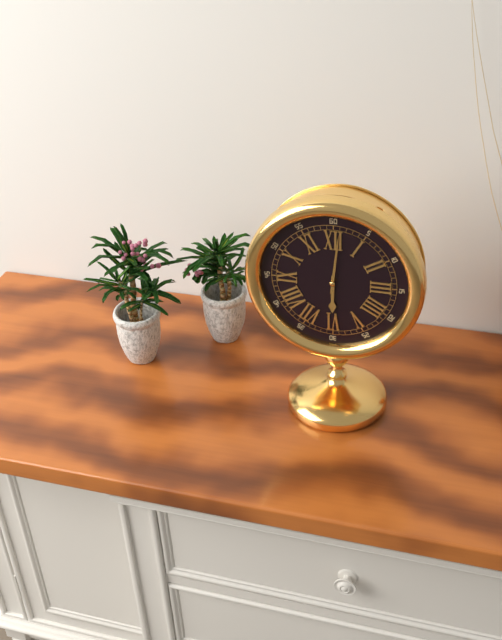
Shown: h=6 m=1
